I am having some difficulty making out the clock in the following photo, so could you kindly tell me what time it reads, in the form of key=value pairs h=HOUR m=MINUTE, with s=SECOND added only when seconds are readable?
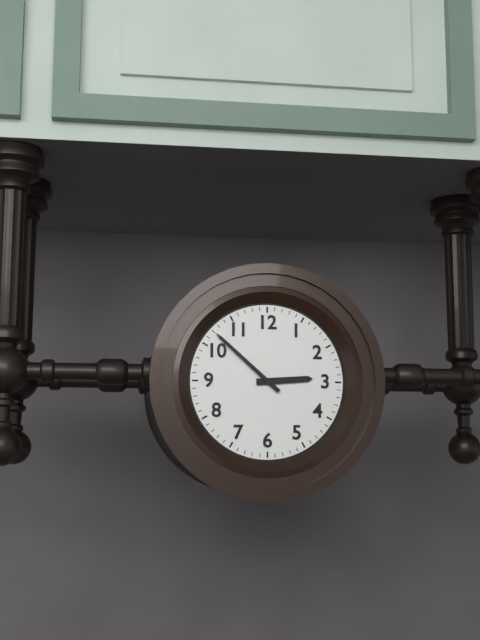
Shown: h=2 m=52
